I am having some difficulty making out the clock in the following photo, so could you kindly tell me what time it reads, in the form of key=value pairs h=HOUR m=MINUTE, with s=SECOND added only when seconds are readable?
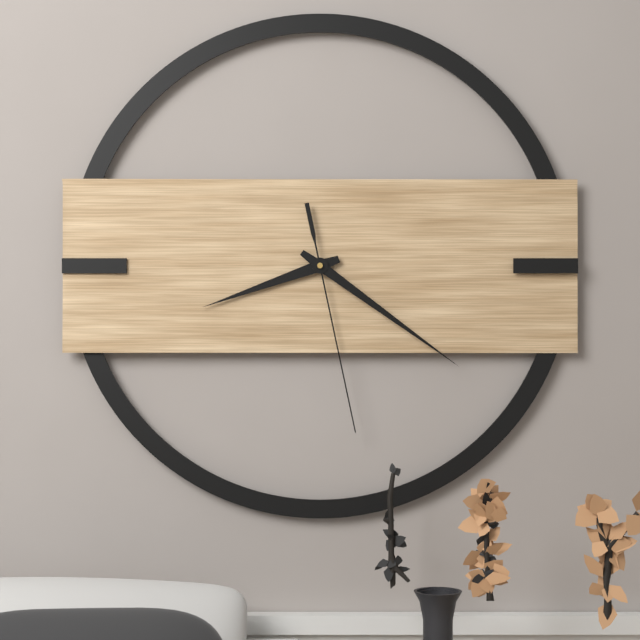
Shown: h=8 m=21 s=28
